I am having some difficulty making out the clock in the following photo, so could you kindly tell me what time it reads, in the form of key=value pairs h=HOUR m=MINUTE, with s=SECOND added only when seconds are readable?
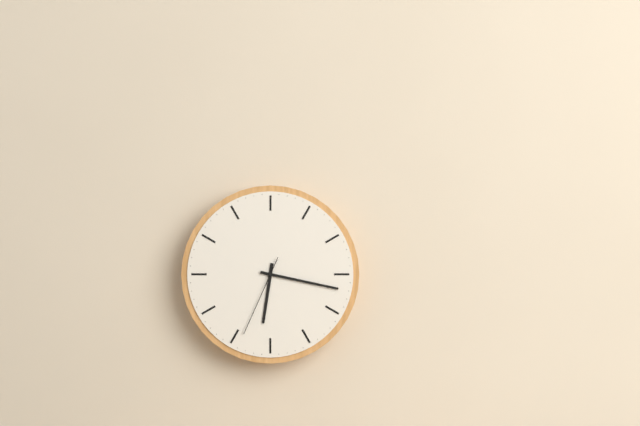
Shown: h=6 m=17 s=34
